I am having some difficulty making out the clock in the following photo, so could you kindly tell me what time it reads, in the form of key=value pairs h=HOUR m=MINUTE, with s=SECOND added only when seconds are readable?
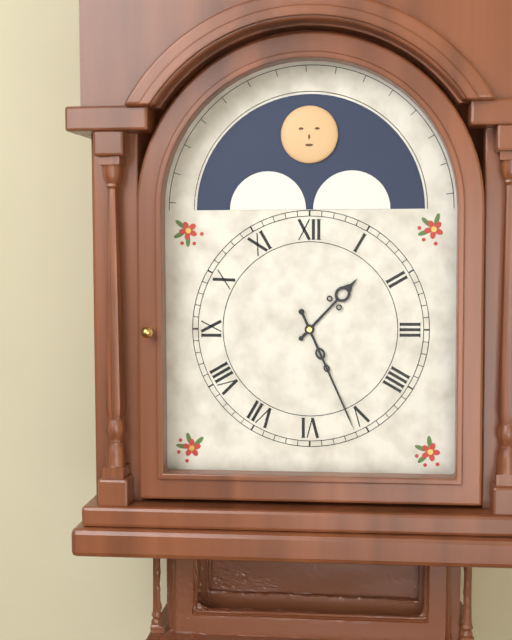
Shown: h=1 m=26
